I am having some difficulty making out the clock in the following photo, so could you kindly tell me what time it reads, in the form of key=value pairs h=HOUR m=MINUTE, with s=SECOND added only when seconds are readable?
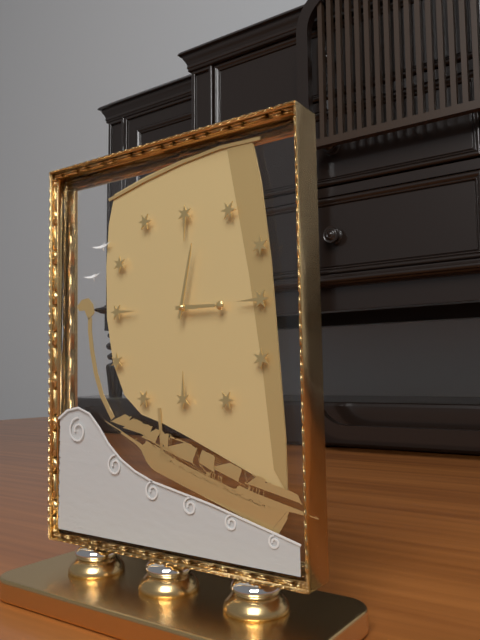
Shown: h=3 m=2
